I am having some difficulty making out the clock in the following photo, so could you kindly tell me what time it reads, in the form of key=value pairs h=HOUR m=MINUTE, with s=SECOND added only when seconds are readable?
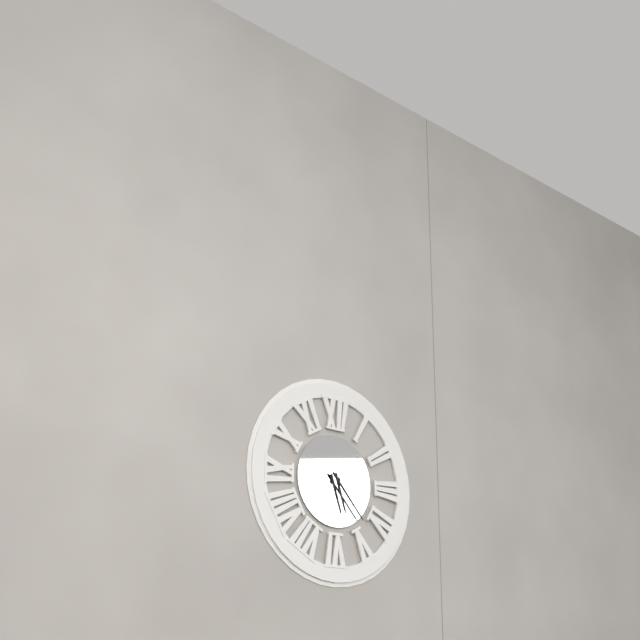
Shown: h=5 m=23
